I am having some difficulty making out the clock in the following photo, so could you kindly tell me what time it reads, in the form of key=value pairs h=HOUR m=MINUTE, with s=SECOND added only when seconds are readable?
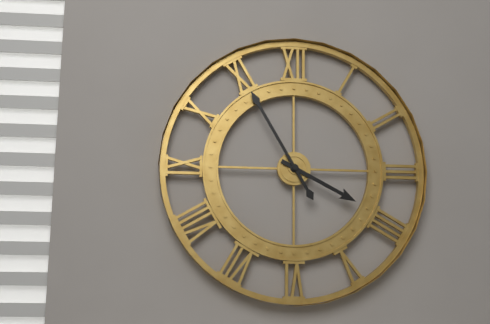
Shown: h=3 m=55
